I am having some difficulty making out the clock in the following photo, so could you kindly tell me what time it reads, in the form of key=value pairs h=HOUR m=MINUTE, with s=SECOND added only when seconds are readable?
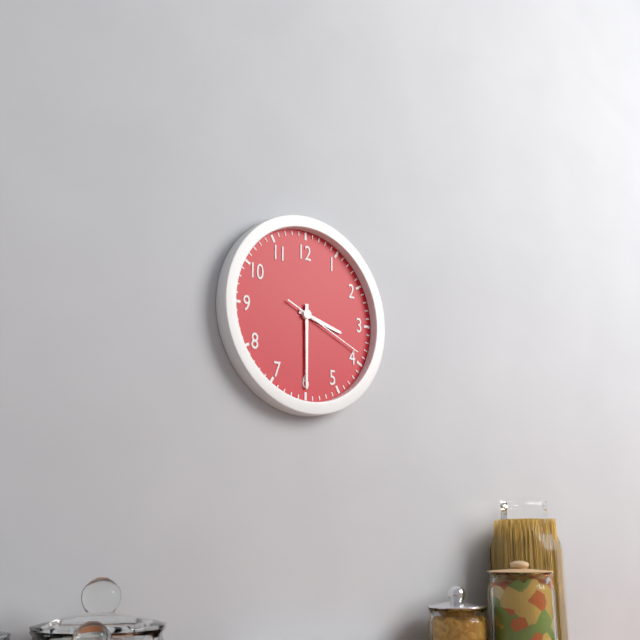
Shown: h=3 m=30 s=19
